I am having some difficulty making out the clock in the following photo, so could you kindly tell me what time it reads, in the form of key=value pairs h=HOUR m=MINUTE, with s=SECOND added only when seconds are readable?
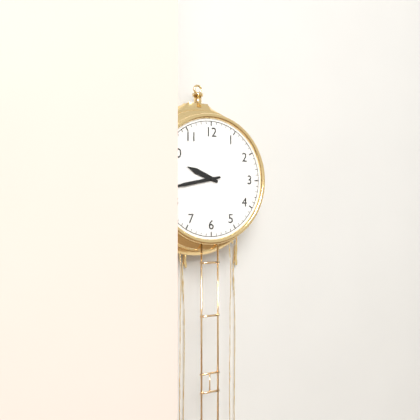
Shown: h=9 m=43
